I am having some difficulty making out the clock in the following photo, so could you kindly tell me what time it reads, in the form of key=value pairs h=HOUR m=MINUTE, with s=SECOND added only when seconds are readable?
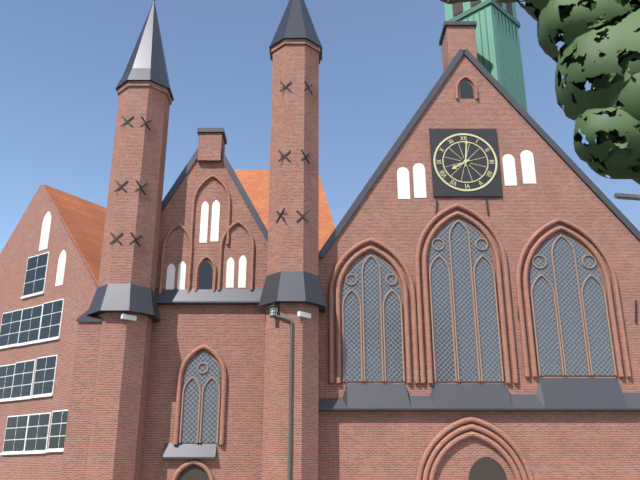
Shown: h=8 m=1
